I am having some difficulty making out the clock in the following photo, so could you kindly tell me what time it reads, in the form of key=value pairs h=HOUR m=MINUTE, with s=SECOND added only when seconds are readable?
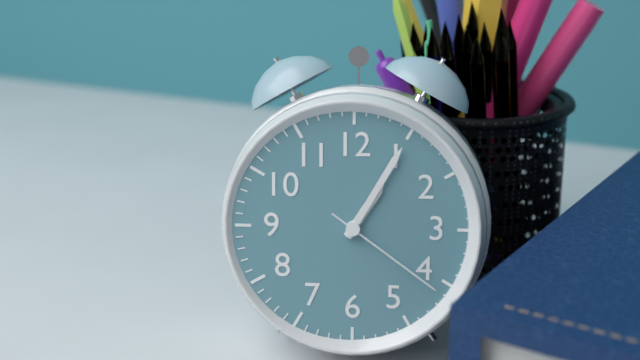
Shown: h=1 m=5 s=21
